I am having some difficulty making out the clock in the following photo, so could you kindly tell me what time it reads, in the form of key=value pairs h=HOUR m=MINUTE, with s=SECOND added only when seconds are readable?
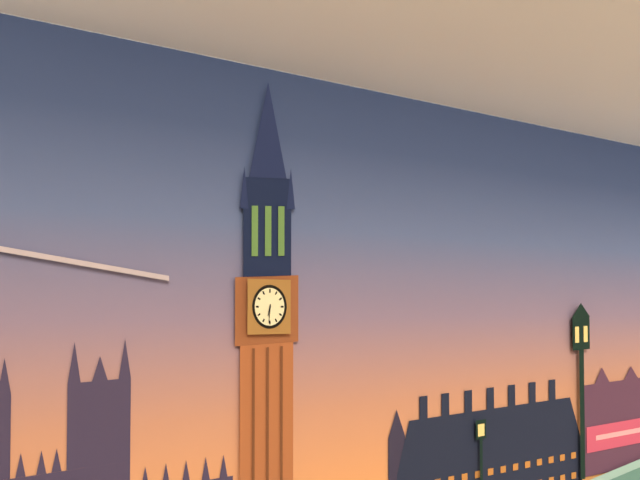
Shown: h=6 m=31
